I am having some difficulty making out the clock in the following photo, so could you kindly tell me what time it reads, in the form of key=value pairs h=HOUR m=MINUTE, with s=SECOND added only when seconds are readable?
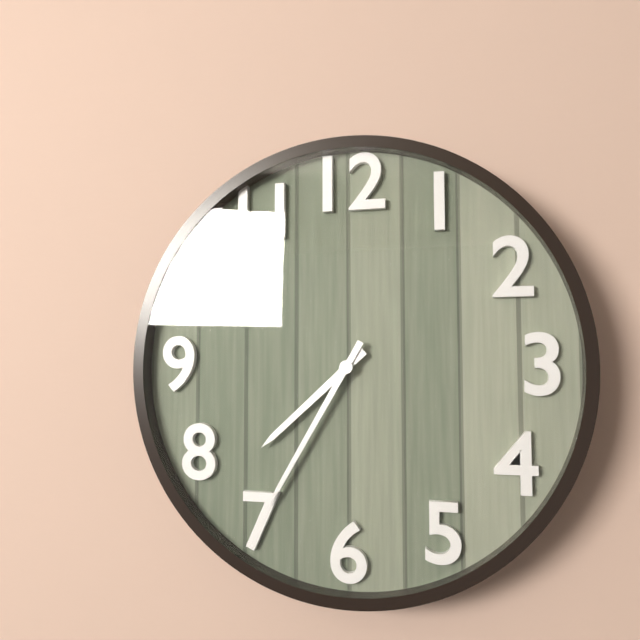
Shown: h=7 m=35
